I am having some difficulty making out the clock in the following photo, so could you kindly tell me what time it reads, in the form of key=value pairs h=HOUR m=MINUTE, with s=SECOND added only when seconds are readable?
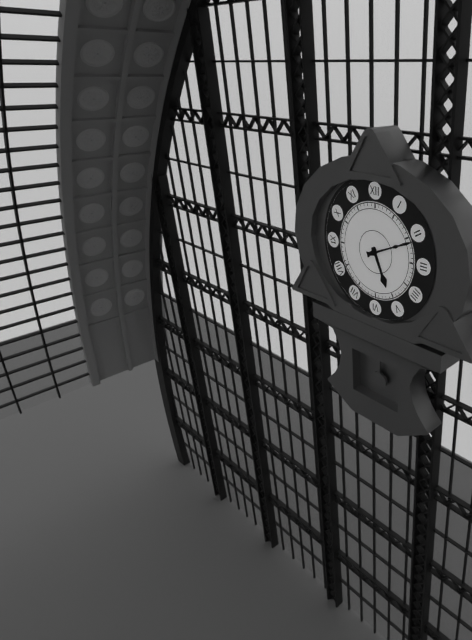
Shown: h=5 m=11
